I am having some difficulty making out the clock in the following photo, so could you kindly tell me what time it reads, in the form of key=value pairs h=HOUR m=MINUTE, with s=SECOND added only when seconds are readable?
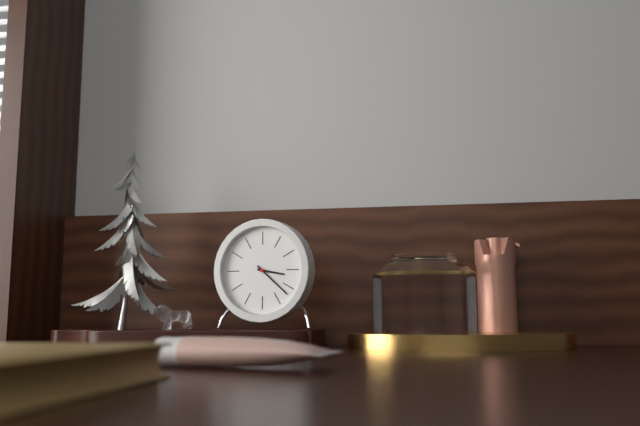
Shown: h=3 m=22
